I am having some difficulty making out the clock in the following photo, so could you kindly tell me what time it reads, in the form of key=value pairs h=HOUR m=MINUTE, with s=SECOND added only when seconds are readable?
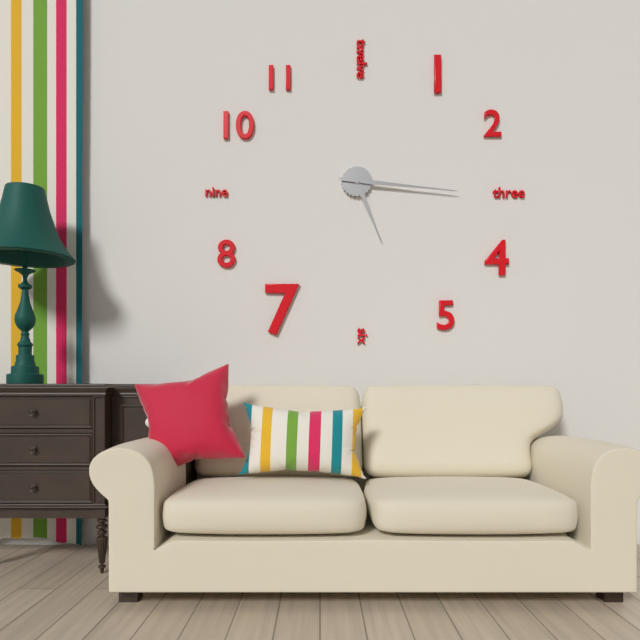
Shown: h=5 m=16
